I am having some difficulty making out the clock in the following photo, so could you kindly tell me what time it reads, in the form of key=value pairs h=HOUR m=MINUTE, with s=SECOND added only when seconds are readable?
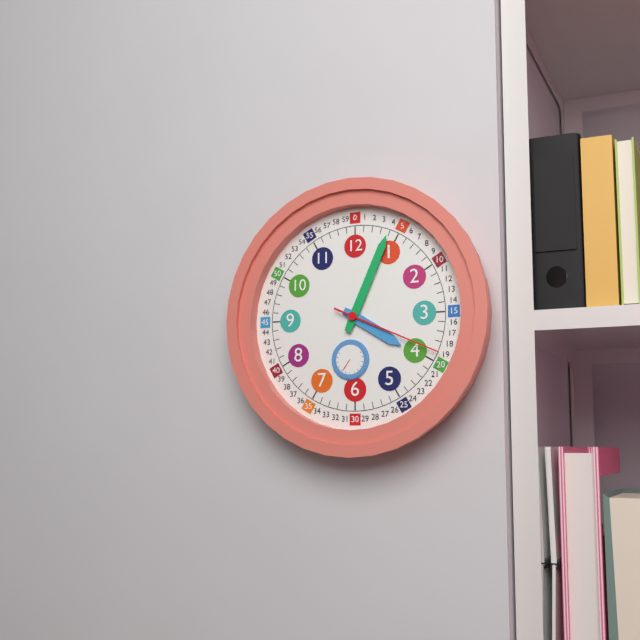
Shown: h=4 m=4 s=19
